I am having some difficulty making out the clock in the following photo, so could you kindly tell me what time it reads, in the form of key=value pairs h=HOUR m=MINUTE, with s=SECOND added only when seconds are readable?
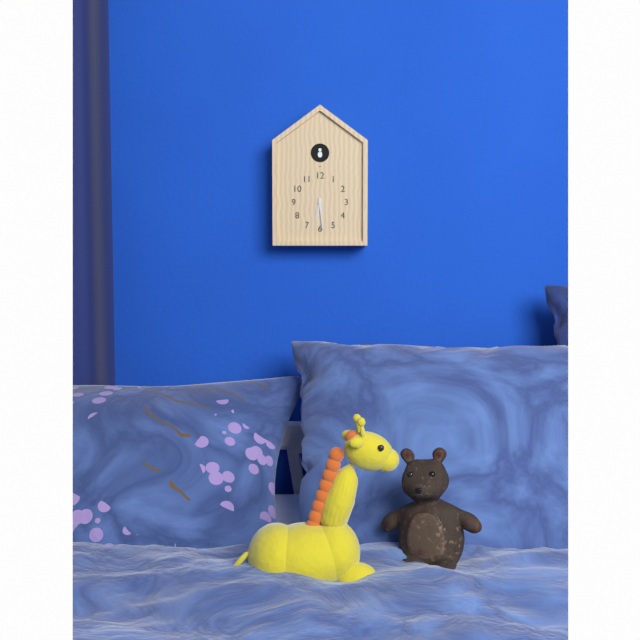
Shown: h=6 m=29
